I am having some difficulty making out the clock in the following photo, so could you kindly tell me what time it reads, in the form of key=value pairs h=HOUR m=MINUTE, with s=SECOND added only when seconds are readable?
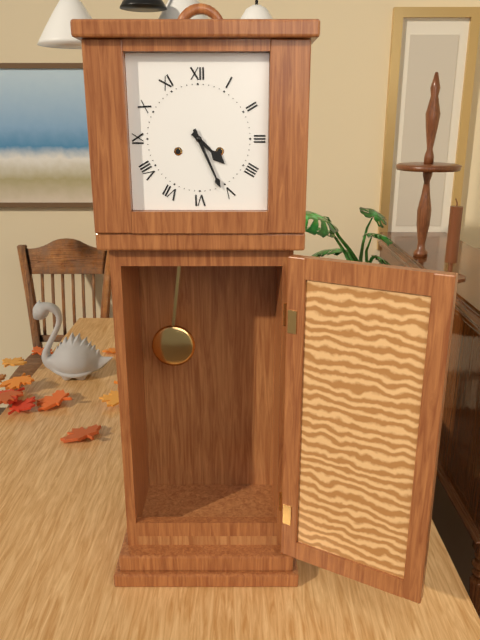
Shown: h=4 m=26
